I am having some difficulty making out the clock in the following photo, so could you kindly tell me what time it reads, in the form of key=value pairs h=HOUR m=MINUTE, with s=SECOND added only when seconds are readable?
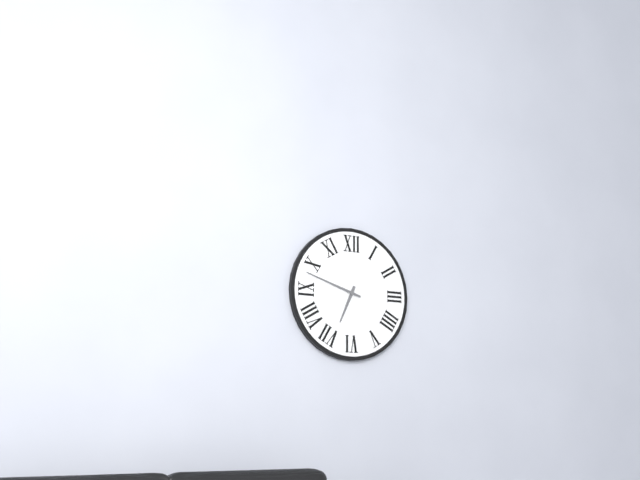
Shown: h=6 m=48
